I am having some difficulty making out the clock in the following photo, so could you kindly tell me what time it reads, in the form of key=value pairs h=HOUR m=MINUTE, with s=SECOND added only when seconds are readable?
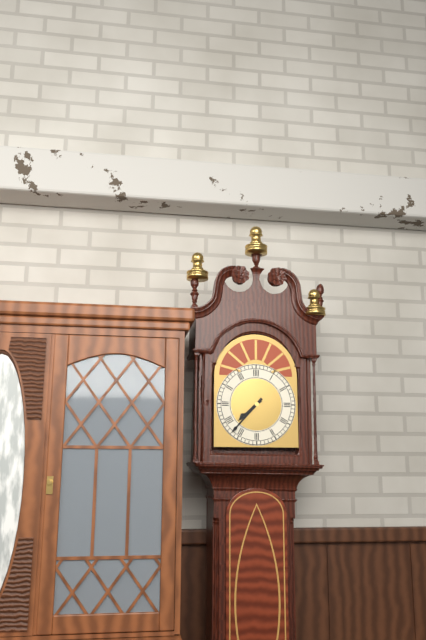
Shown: h=7 m=37
